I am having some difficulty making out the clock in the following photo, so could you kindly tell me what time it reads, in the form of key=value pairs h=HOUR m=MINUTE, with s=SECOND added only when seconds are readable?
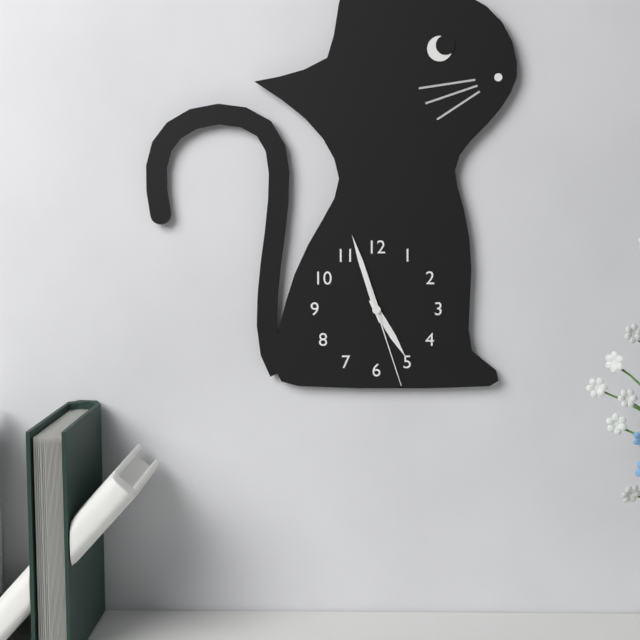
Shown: h=4 m=57 s=27
